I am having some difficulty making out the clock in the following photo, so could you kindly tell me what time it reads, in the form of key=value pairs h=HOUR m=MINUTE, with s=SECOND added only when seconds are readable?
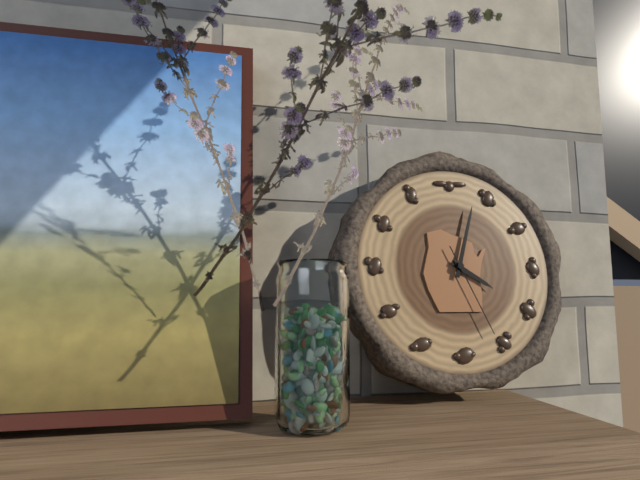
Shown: h=4 m=3 s=26
